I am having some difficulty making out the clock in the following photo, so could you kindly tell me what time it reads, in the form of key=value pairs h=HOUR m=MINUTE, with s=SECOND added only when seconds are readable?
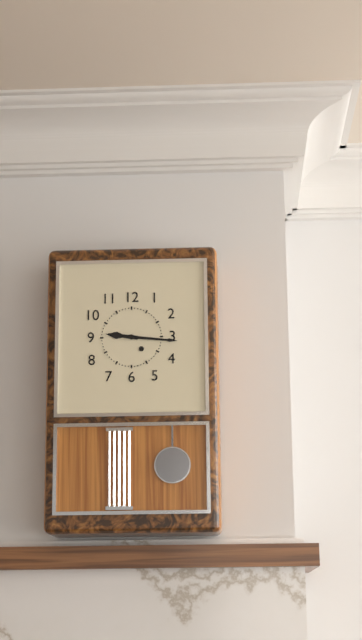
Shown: h=9 m=16
